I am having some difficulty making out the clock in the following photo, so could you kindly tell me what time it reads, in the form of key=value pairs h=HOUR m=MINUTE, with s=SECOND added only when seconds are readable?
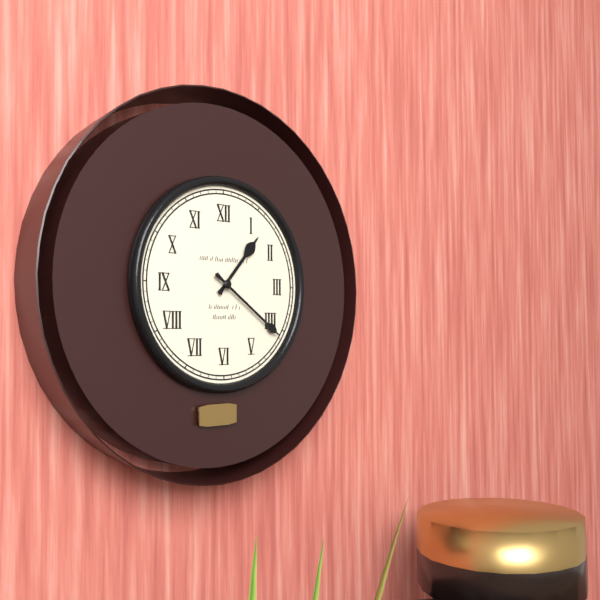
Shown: h=1 m=21
